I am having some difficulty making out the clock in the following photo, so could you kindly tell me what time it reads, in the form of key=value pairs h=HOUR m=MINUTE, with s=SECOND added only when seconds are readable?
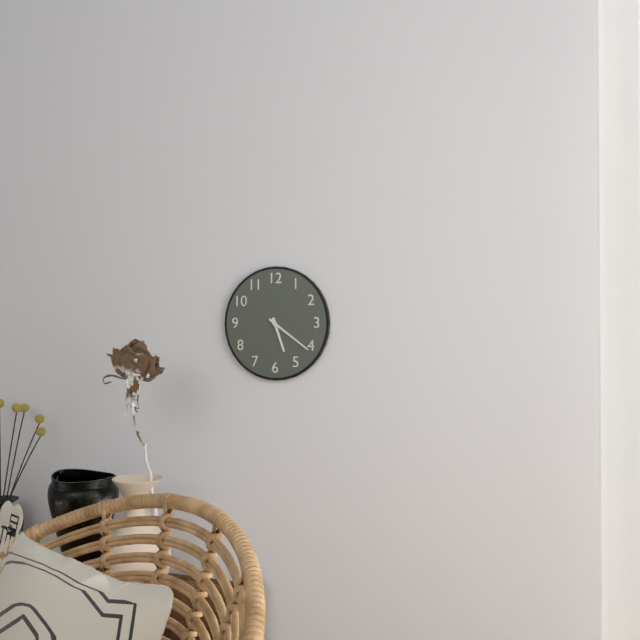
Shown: h=5 m=21
